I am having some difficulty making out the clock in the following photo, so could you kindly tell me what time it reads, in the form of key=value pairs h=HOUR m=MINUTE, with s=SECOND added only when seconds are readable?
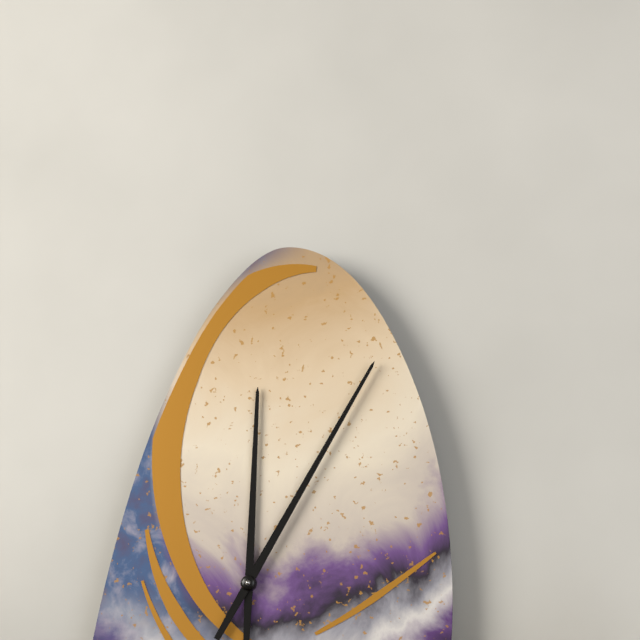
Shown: h=12 m=5
